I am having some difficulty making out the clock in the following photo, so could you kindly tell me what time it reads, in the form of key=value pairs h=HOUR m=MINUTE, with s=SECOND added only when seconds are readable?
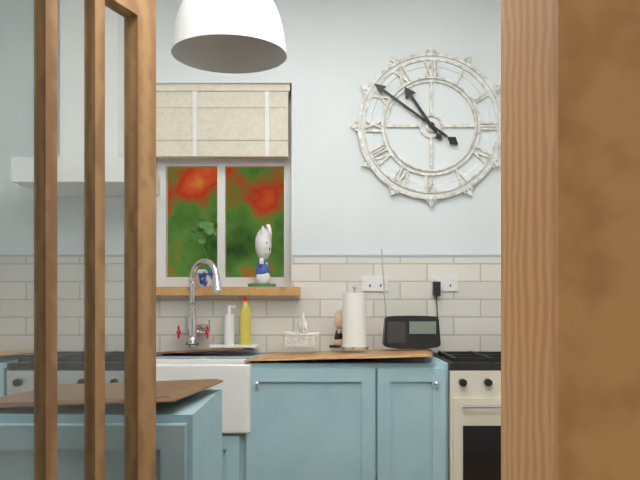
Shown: h=10 m=51
